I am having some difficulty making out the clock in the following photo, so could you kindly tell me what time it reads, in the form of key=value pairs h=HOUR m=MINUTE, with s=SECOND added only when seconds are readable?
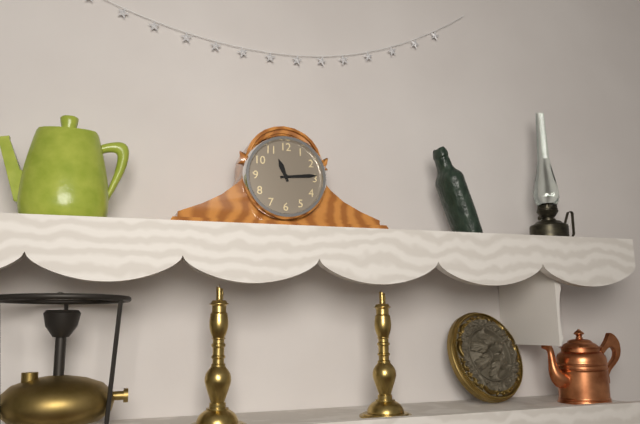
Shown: h=11 m=14
